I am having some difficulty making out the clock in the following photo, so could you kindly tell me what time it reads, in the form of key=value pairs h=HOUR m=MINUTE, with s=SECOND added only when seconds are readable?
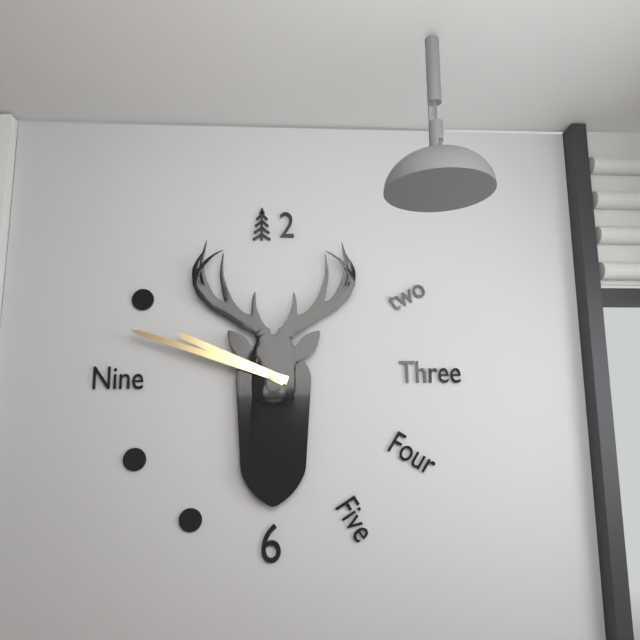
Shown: h=9 m=48
